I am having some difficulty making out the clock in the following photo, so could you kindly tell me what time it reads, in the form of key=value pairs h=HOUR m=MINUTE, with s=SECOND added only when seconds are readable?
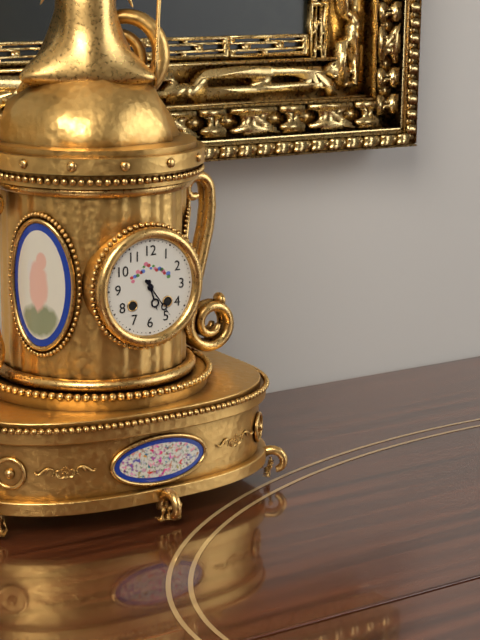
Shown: h=5 m=24
